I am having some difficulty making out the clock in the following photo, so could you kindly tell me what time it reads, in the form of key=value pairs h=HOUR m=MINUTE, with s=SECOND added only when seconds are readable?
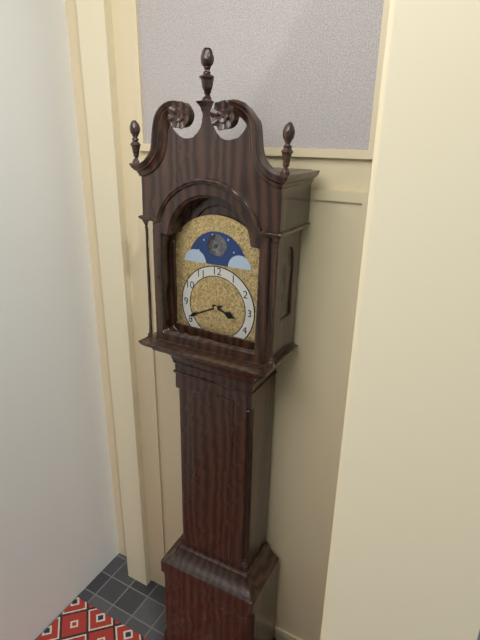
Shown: h=3 m=41
